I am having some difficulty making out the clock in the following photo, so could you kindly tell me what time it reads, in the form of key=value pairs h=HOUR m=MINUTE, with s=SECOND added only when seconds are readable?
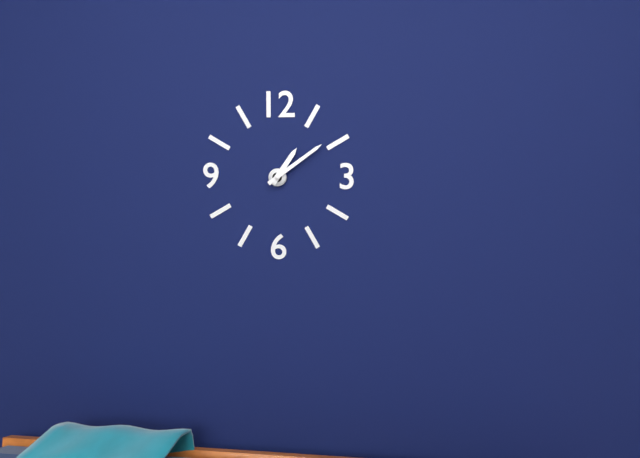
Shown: h=1 m=9
